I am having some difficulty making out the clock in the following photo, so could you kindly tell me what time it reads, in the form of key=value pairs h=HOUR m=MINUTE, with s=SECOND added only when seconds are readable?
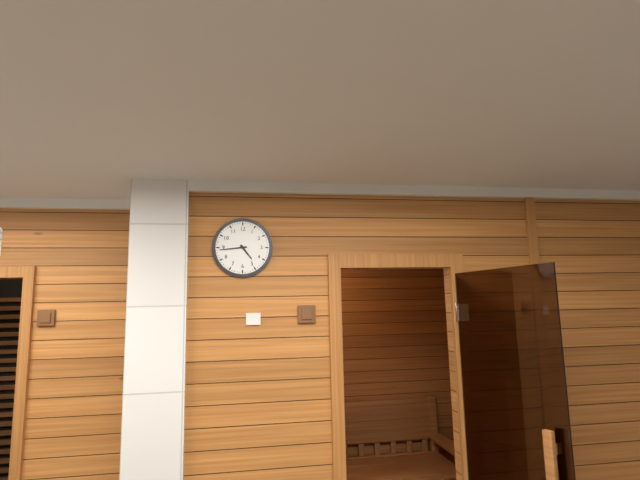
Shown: h=4 m=44
